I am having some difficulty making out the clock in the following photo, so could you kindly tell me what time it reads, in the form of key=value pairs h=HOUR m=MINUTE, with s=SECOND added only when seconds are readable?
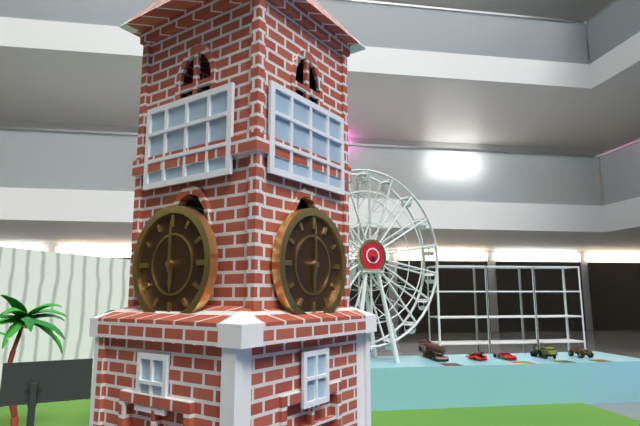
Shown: h=6 m=0
